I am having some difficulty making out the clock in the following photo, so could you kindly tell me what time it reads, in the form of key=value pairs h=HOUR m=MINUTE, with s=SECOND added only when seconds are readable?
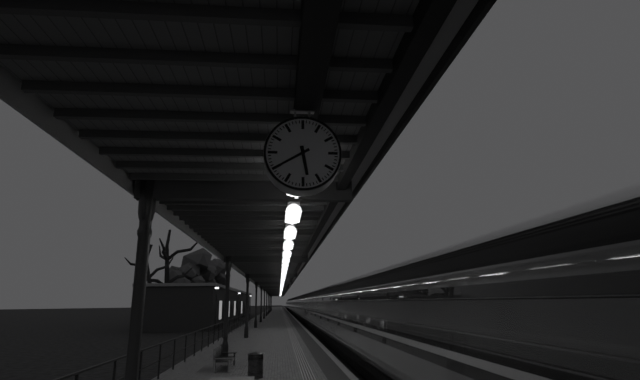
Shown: h=5 m=40
